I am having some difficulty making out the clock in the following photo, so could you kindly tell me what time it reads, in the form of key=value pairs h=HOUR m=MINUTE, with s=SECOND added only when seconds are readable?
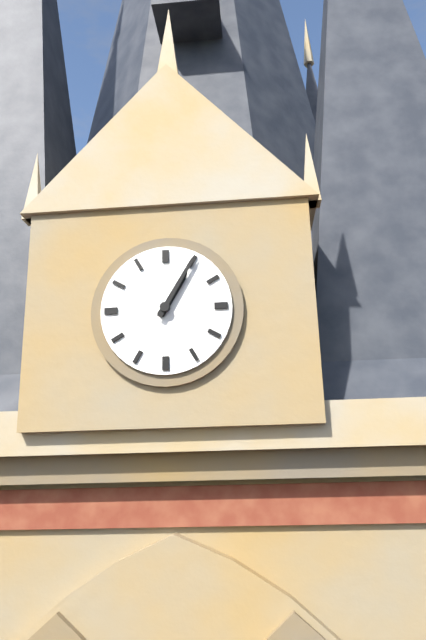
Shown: h=1 m=5
